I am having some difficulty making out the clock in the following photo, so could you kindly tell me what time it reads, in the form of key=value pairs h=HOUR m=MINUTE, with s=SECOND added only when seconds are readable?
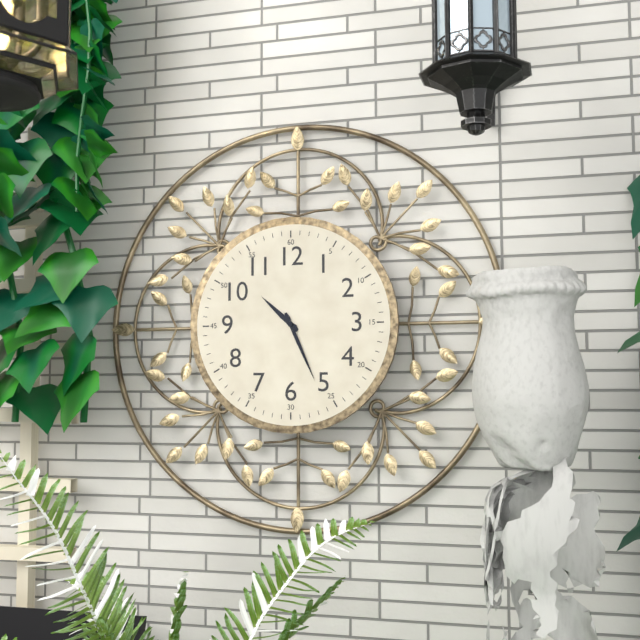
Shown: h=10 m=26
